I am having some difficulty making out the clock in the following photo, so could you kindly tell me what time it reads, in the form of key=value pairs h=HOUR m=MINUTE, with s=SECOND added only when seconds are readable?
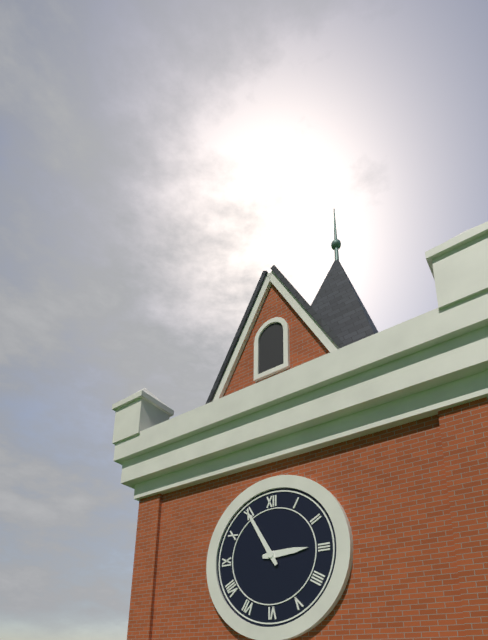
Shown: h=2 m=55
